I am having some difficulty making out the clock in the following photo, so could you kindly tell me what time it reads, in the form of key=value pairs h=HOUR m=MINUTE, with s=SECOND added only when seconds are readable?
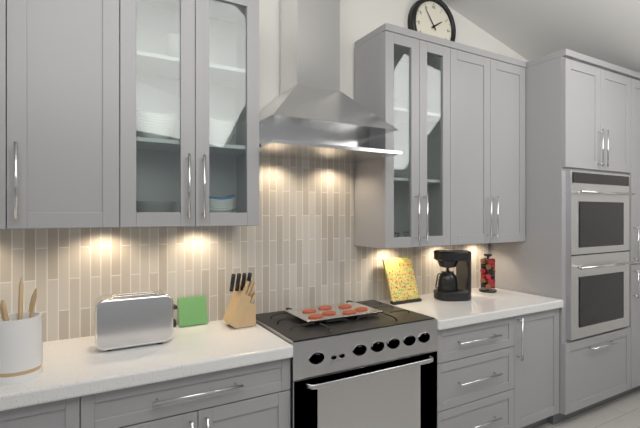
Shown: h=1 m=54
